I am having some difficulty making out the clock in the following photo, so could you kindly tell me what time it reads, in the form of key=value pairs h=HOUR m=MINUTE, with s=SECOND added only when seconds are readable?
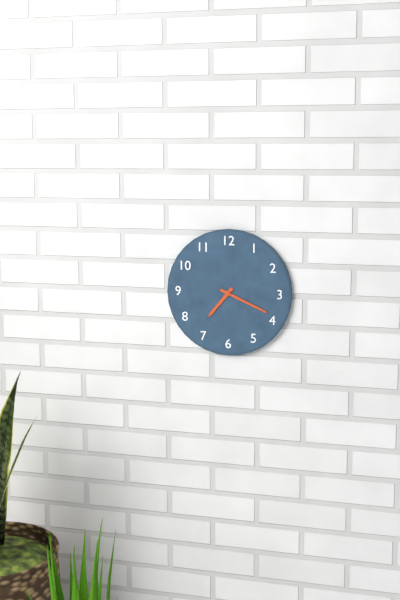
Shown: h=7 m=19
